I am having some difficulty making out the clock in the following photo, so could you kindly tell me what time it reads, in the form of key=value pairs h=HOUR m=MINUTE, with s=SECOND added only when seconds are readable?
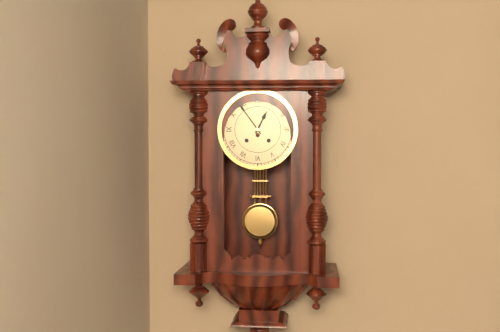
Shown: h=12 m=54
